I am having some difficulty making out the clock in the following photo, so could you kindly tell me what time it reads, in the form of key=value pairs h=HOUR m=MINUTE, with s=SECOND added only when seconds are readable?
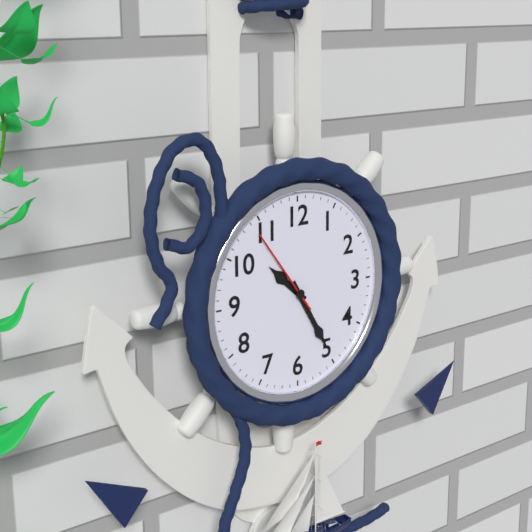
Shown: h=10 m=25 s=54
